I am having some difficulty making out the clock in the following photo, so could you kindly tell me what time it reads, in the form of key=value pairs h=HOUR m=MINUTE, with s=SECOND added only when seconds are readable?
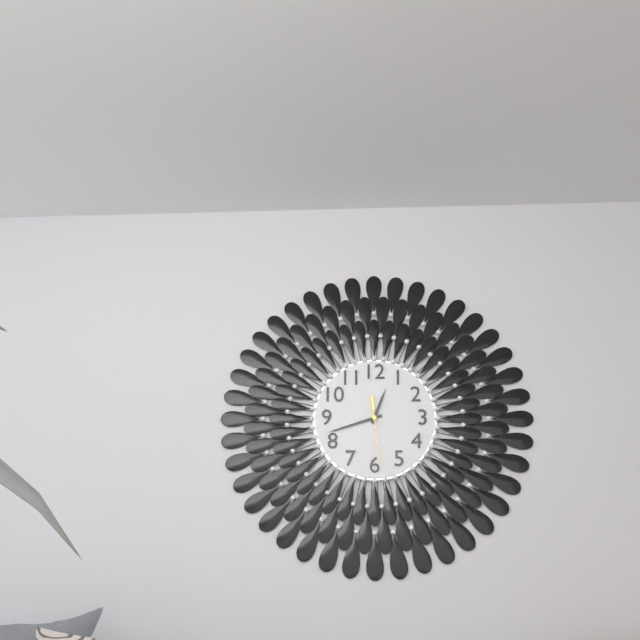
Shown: h=12 m=42 s=29
